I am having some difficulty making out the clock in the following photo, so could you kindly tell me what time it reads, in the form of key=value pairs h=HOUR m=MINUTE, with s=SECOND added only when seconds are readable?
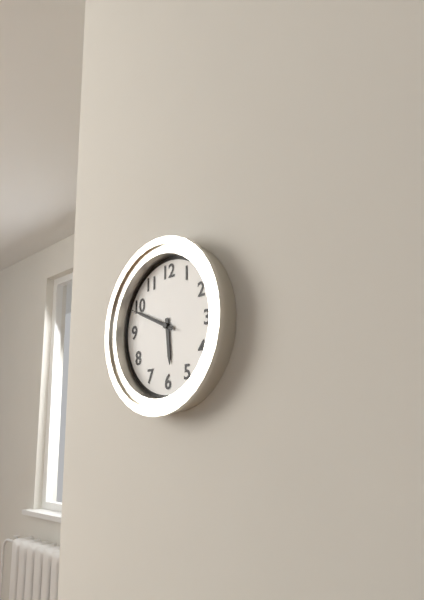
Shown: h=5 m=49
